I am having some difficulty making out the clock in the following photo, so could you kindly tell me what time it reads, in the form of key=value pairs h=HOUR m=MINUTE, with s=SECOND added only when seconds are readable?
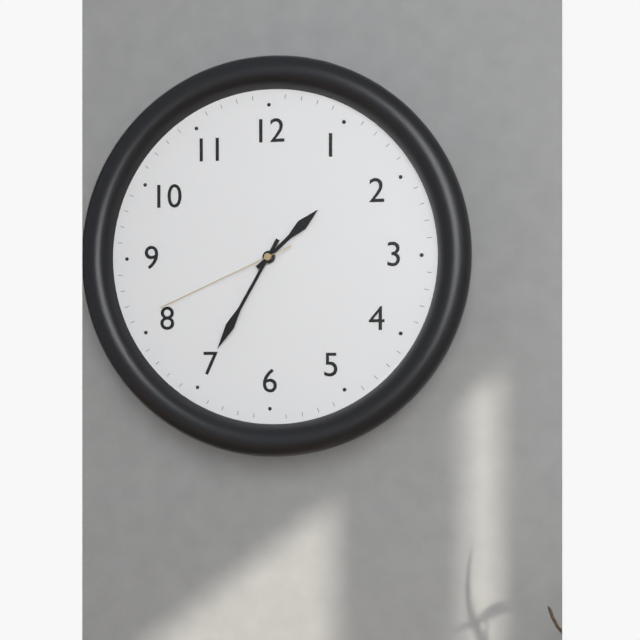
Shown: h=1 m=35 s=41
